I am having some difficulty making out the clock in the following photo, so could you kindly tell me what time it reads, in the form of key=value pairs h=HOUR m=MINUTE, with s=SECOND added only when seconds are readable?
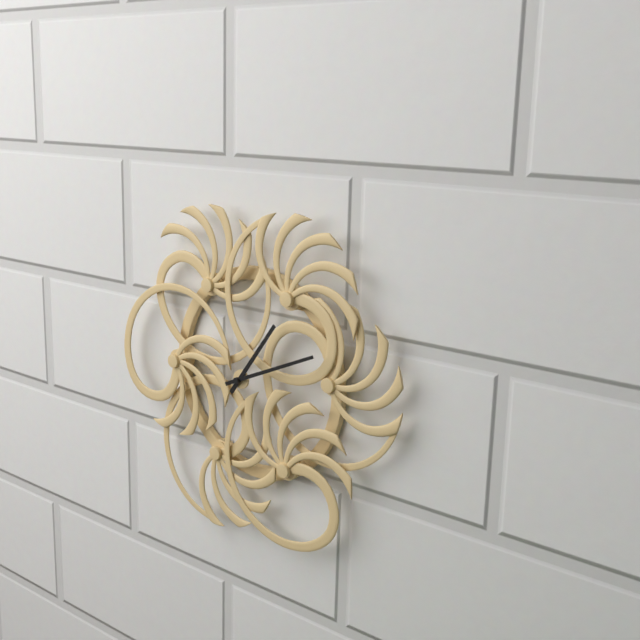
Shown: h=1 m=11
